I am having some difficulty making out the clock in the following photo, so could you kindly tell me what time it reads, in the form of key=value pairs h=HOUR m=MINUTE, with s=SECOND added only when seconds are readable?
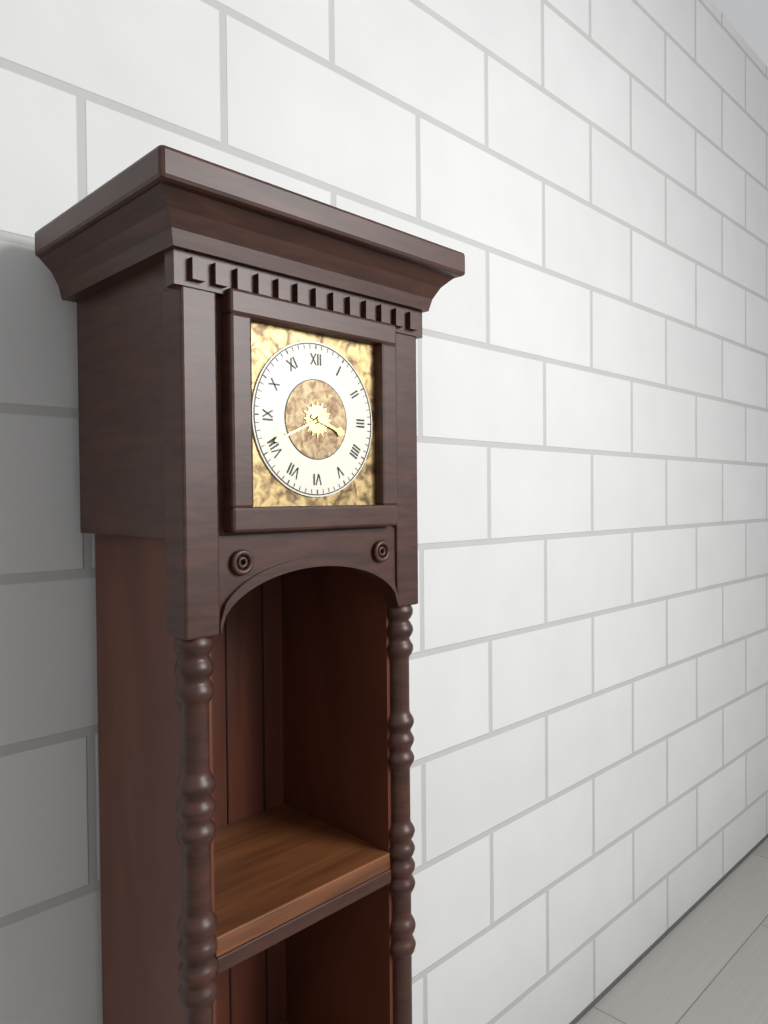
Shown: h=3 m=41
